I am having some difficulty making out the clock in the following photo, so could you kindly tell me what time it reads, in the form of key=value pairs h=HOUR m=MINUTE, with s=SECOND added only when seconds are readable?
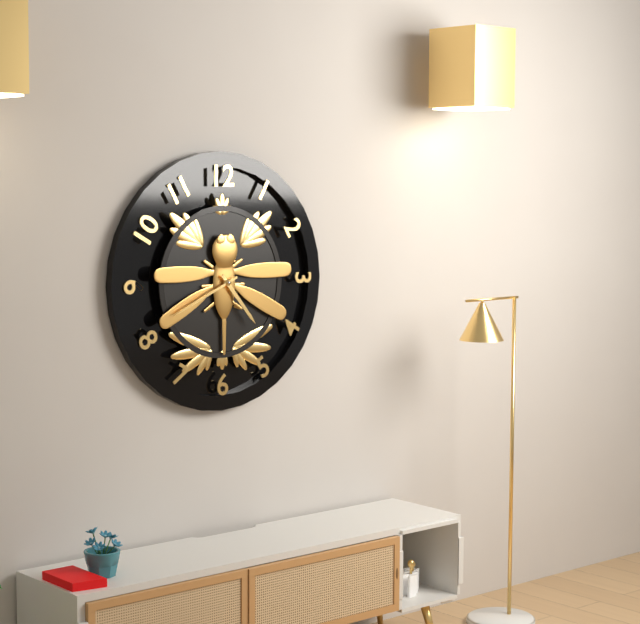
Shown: h=4 m=41
